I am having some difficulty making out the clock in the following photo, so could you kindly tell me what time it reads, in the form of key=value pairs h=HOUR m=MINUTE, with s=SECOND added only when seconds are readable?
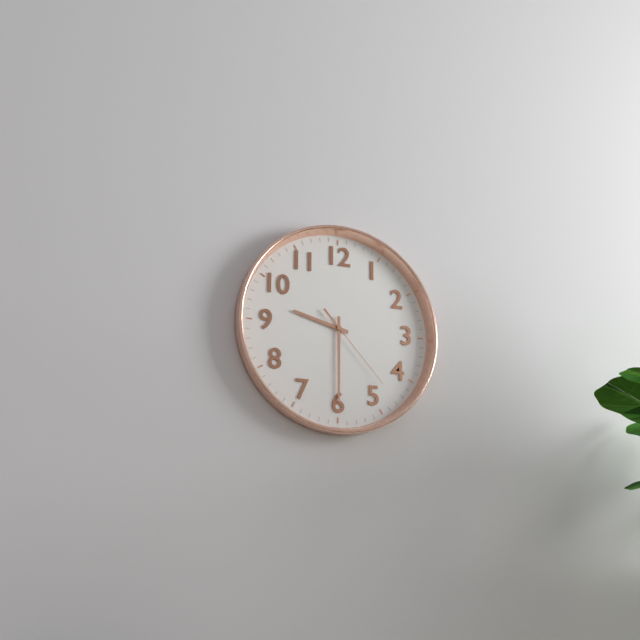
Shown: h=9 m=30 s=23
